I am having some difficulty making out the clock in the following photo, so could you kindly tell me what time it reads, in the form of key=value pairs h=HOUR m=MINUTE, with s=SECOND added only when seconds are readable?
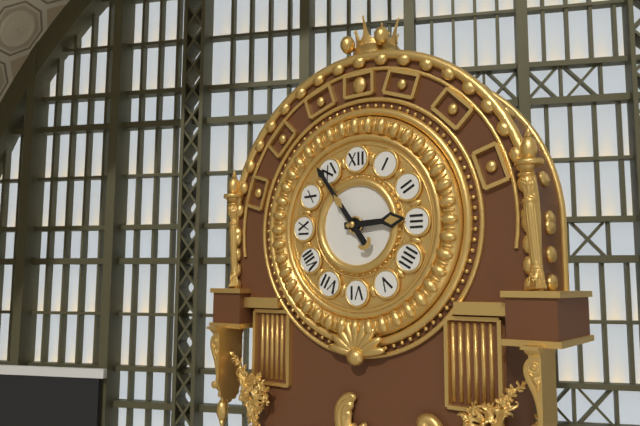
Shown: h=2 m=54
